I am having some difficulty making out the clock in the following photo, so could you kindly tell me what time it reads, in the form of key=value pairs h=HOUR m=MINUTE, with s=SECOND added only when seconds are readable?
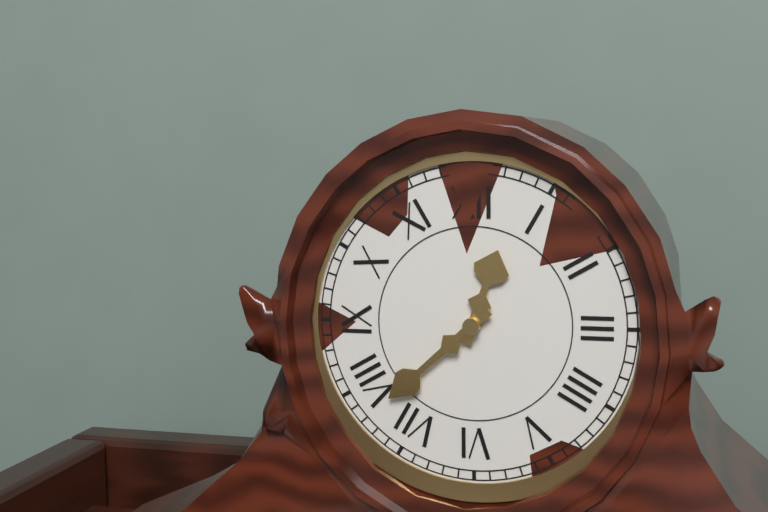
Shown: h=12 m=38
